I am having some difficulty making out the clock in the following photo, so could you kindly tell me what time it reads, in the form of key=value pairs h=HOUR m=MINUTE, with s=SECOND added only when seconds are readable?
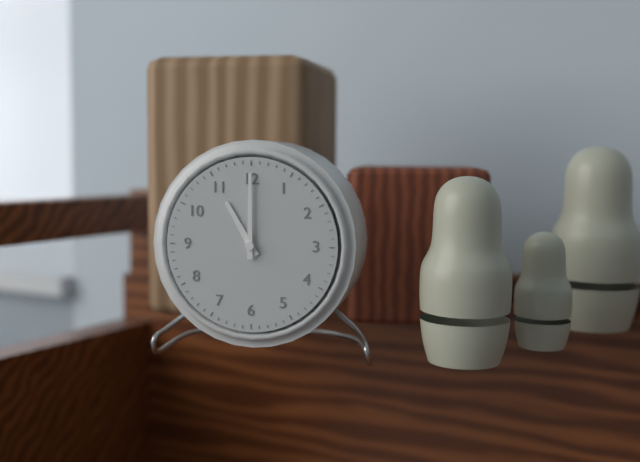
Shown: h=11 m=0
